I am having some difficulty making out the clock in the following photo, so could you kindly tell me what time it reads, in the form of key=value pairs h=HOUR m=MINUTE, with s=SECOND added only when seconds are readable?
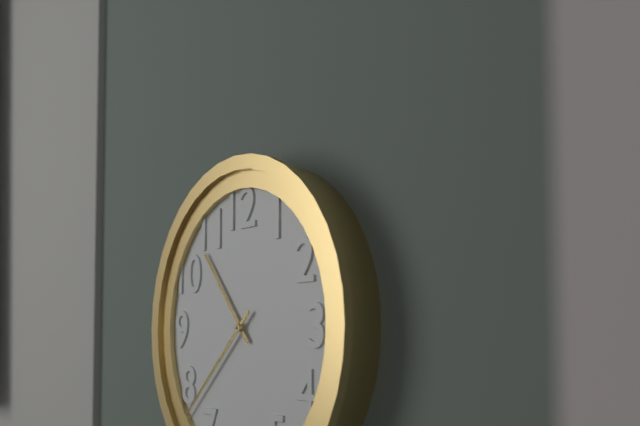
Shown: h=10 m=38
